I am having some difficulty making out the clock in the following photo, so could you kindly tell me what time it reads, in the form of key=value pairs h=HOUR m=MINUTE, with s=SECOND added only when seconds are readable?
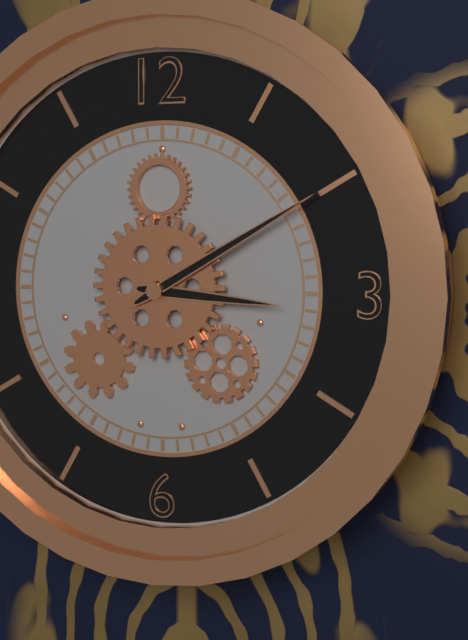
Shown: h=3 m=10
